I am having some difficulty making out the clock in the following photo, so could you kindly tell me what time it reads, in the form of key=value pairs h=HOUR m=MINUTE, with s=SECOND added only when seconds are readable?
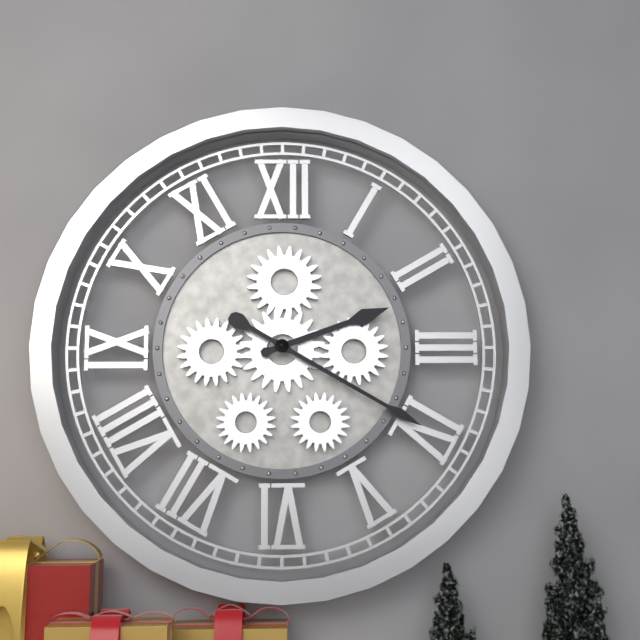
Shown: h=2 m=20
